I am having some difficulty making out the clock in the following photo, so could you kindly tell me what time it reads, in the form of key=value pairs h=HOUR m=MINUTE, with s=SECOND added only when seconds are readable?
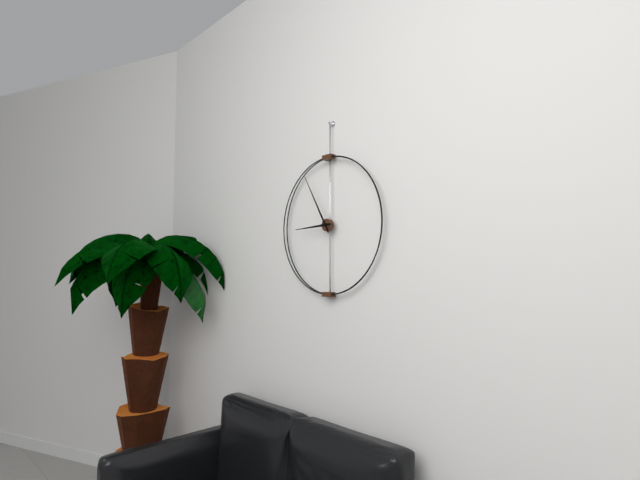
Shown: h=8 m=55
